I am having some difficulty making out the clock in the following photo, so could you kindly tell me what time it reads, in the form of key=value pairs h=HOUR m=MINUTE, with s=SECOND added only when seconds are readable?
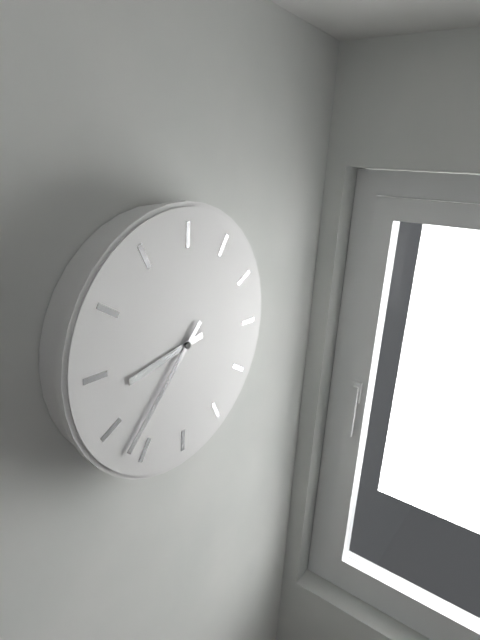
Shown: h=8 m=37
